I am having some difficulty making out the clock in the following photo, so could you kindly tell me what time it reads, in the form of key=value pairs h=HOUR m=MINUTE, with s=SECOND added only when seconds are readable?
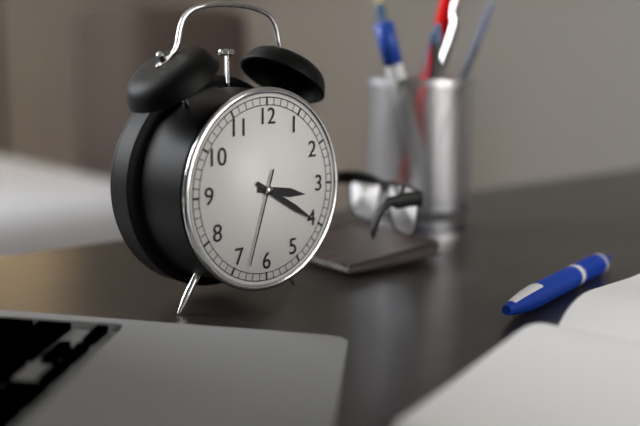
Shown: h=3 m=20 s=33
